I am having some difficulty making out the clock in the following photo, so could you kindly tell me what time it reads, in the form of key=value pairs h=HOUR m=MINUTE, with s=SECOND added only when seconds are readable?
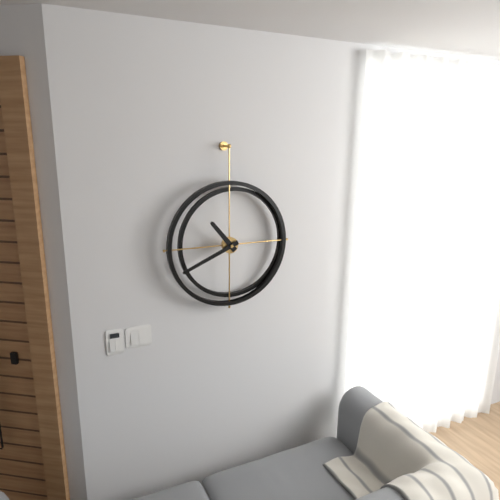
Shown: h=10 m=41
